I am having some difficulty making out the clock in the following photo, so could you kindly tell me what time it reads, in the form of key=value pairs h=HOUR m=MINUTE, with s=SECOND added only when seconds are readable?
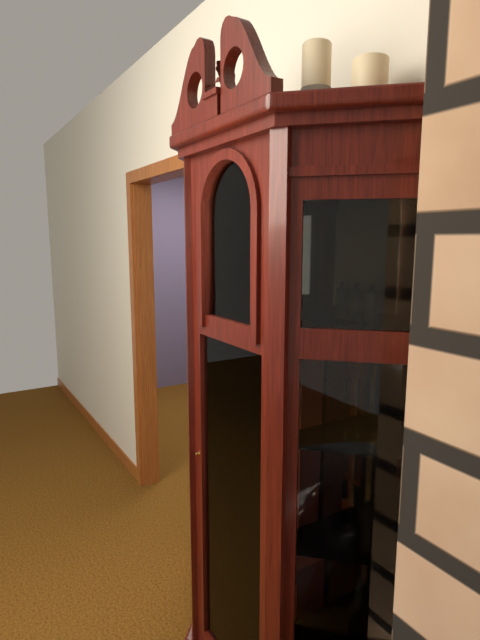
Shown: h=12 m=29
